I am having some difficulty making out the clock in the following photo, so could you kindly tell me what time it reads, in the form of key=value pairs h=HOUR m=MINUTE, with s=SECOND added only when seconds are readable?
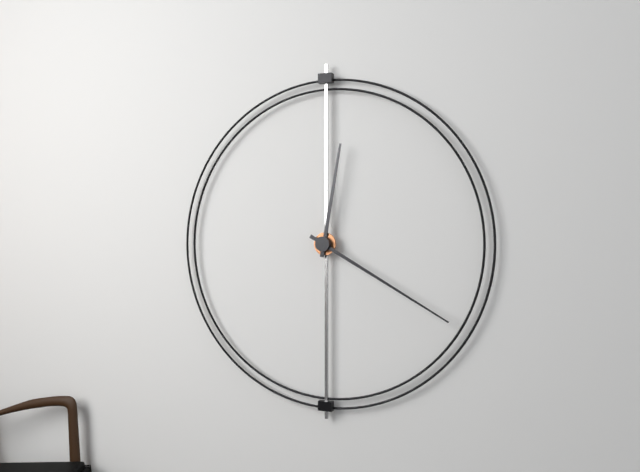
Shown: h=12 m=20
